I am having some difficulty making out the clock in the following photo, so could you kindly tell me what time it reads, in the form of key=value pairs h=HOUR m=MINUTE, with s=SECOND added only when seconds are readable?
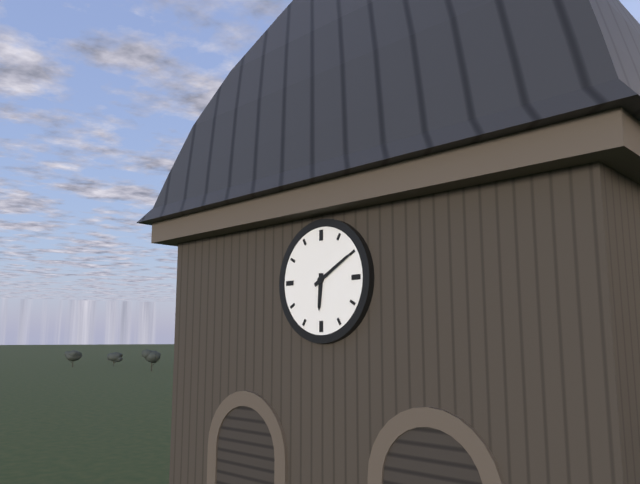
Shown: h=6 m=10
